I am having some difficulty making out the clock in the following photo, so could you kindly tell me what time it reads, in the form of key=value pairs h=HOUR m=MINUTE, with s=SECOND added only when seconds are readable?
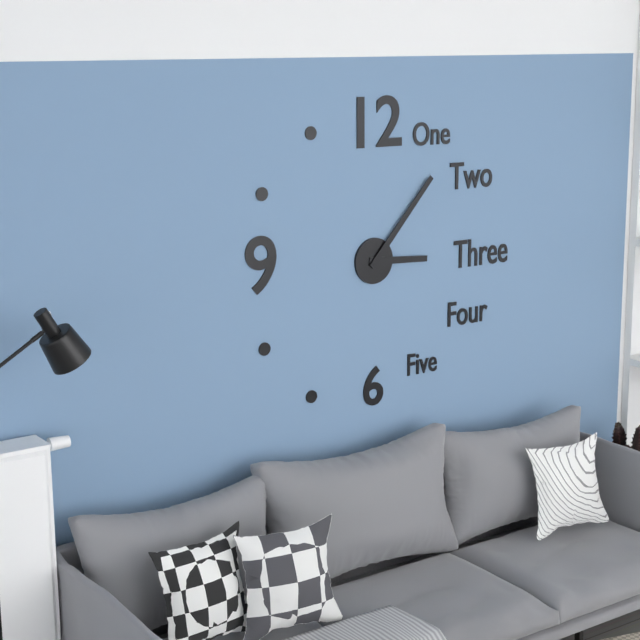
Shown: h=3 m=7
